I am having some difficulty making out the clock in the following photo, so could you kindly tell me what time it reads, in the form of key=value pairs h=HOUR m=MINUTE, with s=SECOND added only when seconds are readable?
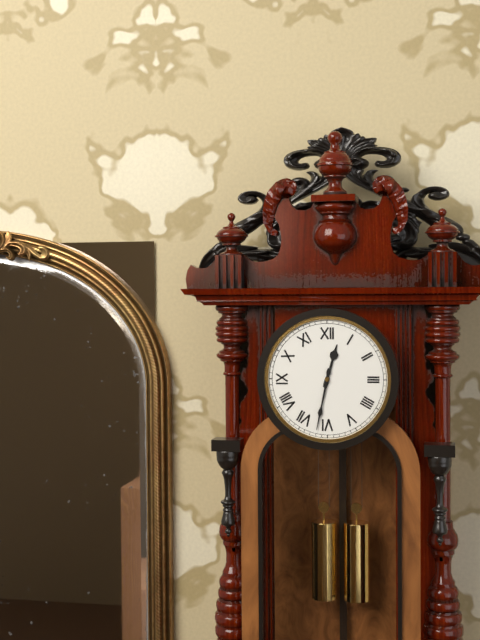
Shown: h=12 m=32
